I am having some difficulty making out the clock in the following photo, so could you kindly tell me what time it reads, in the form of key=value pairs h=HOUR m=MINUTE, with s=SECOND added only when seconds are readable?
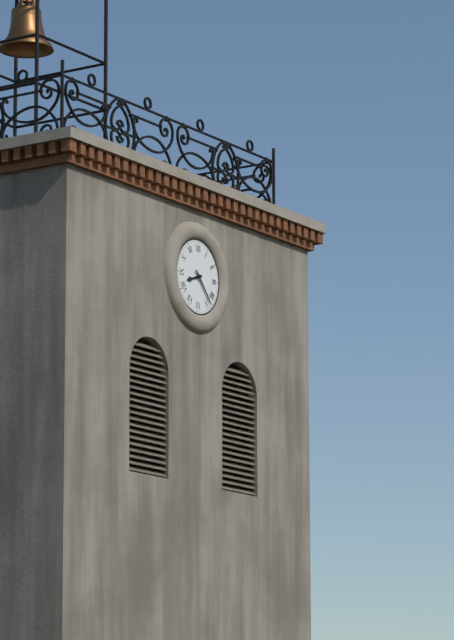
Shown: h=8 m=23
